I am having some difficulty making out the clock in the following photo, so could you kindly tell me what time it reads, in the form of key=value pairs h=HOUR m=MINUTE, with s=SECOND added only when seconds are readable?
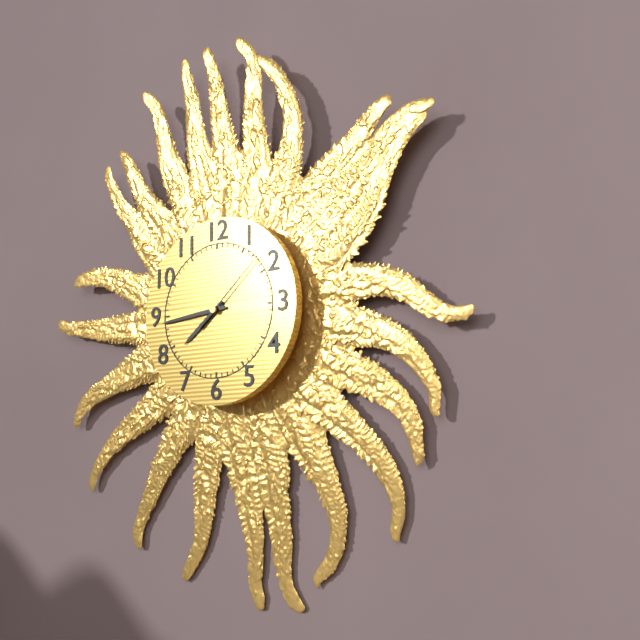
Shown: h=7 m=44 s=8
